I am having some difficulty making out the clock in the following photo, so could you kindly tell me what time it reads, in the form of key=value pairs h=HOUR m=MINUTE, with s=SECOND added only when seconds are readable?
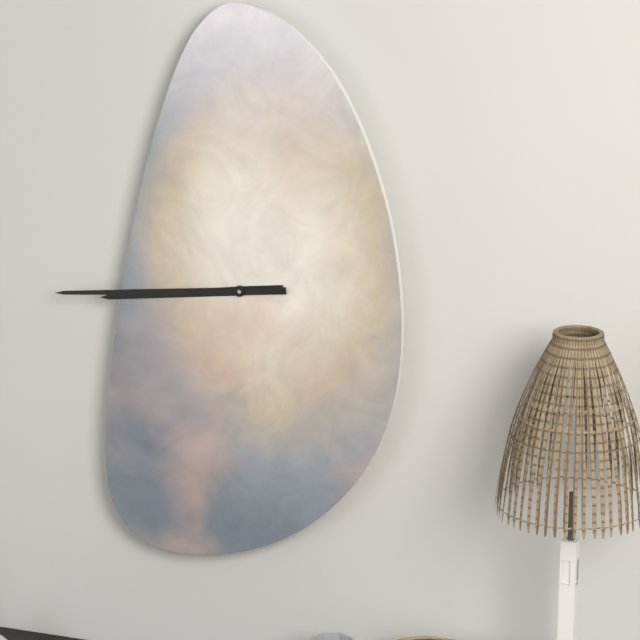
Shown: h=8 m=44
